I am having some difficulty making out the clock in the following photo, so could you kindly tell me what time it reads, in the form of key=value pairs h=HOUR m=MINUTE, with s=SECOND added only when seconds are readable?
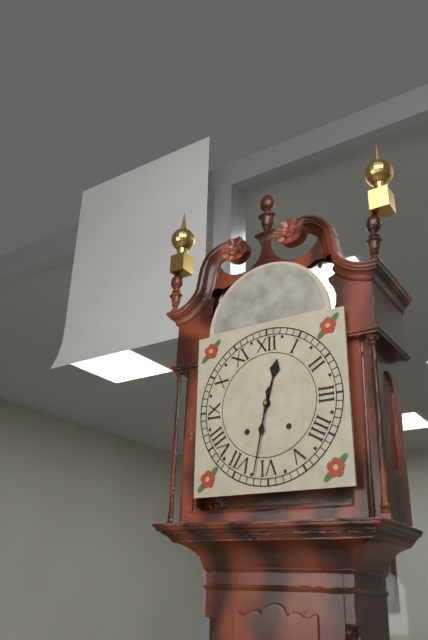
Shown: h=12 m=32
